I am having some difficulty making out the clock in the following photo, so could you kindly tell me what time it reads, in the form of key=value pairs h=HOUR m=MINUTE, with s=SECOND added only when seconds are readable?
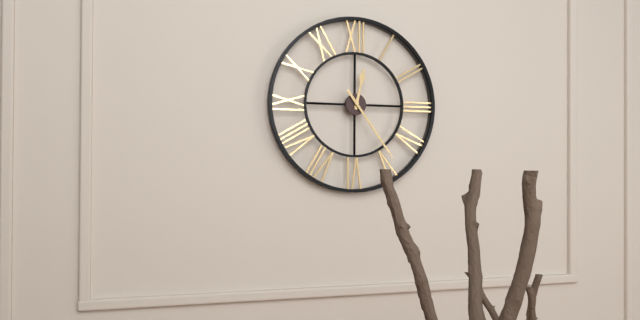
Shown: h=12 m=24
